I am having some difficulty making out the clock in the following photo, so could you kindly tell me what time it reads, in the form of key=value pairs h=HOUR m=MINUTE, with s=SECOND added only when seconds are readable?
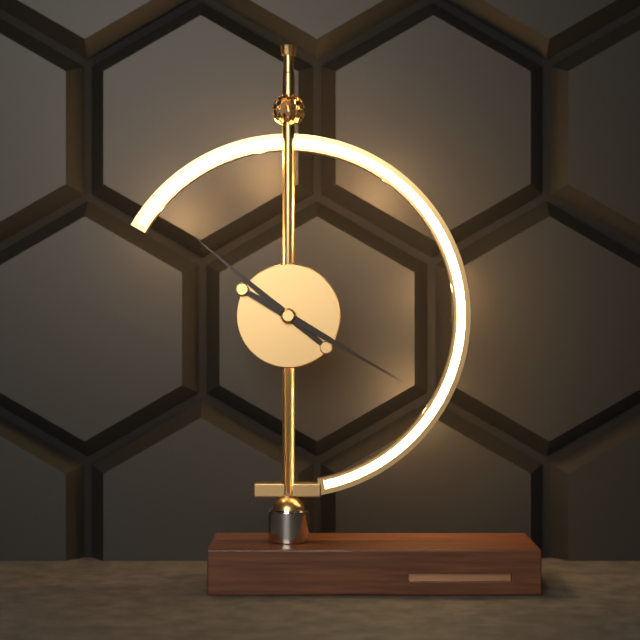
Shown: h=10 m=20
